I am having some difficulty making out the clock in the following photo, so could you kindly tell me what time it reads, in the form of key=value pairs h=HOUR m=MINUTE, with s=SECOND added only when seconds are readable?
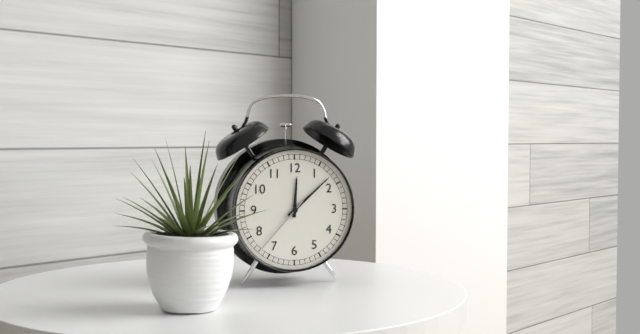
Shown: h=12 m=8 s=37
